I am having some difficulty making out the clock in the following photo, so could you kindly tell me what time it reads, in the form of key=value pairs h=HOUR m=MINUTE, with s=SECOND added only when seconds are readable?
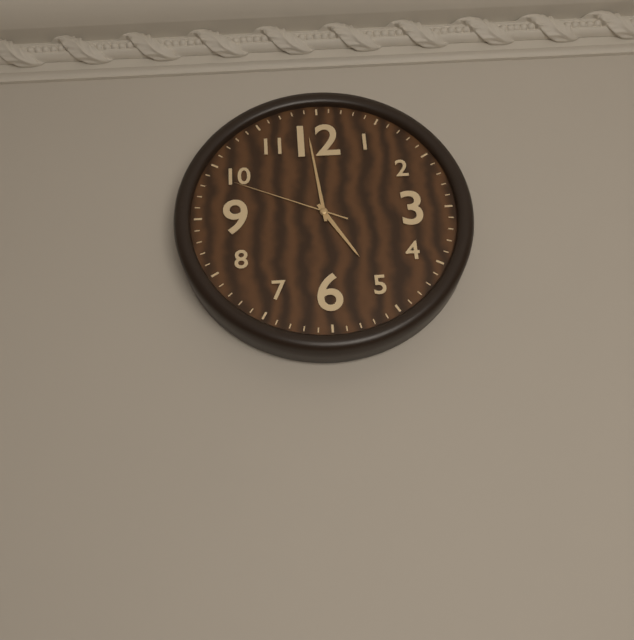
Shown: h=4 m=59 s=49
